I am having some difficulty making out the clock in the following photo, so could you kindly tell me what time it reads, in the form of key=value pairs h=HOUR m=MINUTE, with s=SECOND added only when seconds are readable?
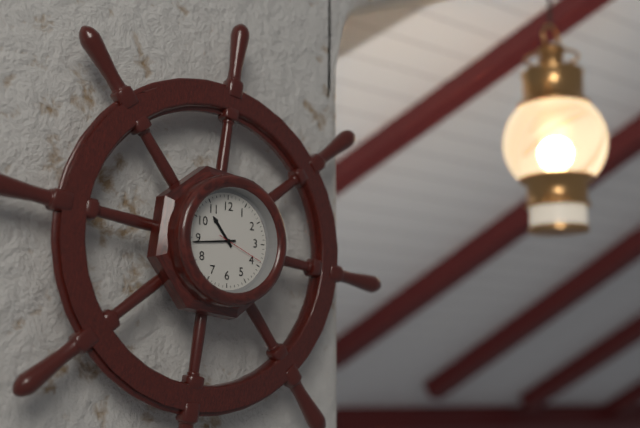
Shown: h=10 m=44
